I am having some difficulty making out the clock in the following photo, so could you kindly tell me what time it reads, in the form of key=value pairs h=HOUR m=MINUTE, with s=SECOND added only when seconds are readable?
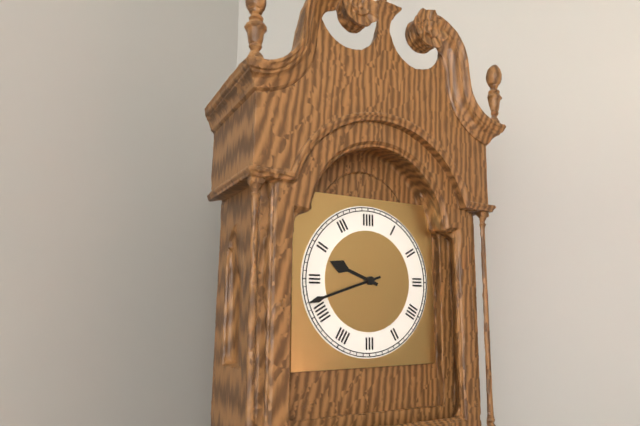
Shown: h=9 m=42
